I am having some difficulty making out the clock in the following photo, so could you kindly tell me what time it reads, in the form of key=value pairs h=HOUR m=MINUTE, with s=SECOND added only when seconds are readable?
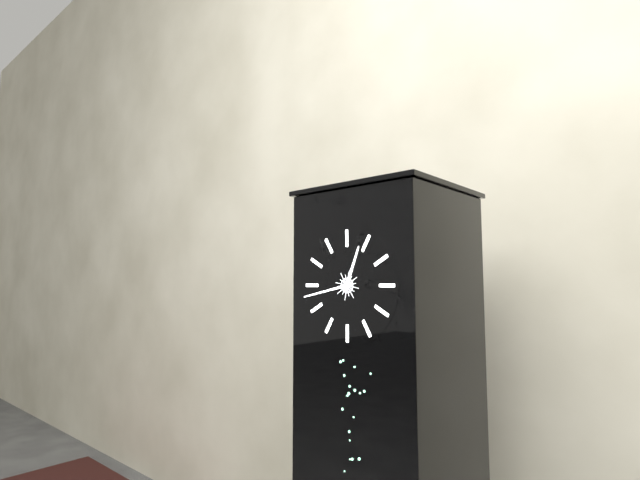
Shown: h=12 m=43
